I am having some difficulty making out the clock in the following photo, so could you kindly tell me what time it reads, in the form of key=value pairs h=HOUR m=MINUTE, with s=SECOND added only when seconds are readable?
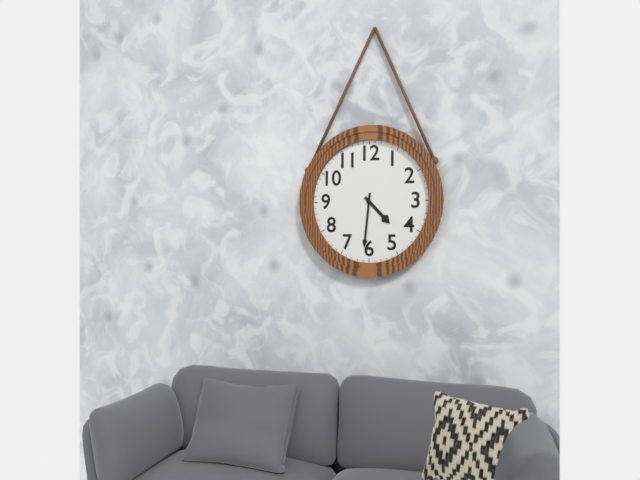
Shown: h=4 m=31
